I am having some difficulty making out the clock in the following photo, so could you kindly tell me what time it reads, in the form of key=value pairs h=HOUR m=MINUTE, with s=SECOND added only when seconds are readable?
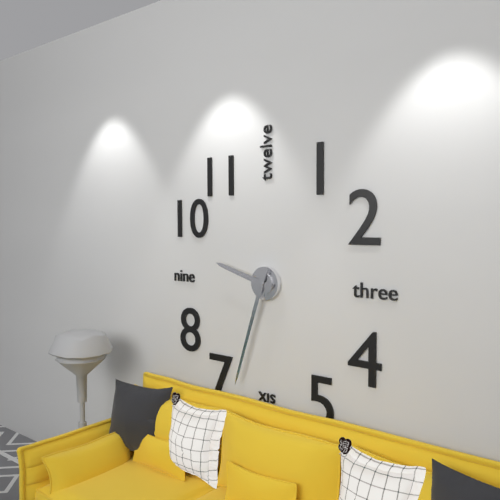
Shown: h=9 m=33
